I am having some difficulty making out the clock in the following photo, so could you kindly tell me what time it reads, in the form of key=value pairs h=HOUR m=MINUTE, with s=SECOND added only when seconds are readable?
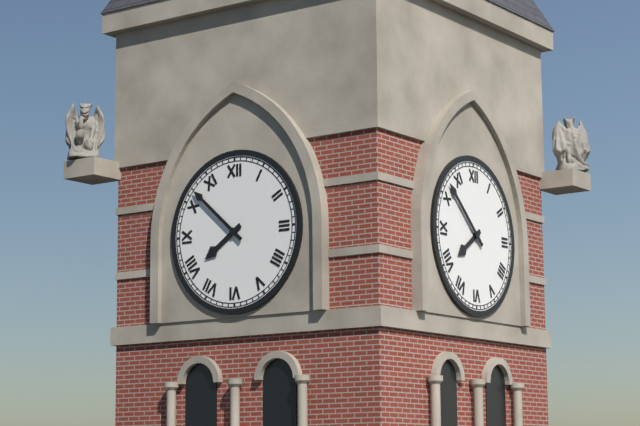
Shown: h=7 m=52
